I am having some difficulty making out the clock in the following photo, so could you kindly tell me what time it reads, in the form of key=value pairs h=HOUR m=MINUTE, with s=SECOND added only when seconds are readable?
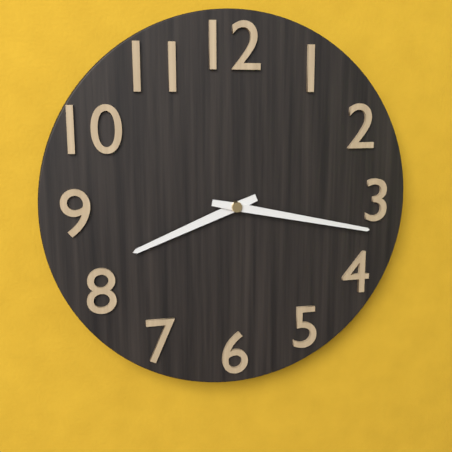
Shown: h=8 m=17
